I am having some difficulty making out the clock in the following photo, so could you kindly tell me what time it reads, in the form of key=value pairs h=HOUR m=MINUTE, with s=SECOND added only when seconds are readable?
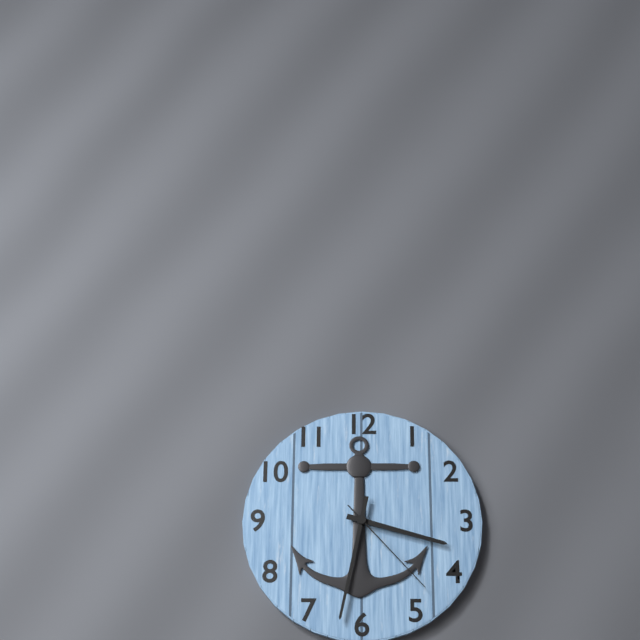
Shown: h=3 m=32 s=23
